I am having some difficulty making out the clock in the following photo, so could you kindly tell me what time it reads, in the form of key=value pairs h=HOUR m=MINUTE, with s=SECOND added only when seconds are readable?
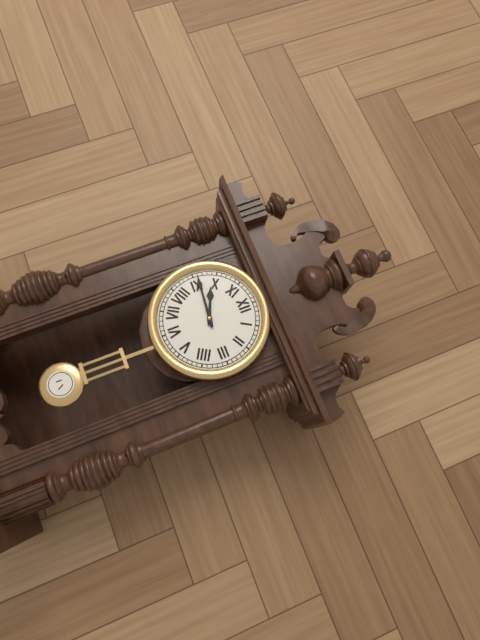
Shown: h=9 m=46
